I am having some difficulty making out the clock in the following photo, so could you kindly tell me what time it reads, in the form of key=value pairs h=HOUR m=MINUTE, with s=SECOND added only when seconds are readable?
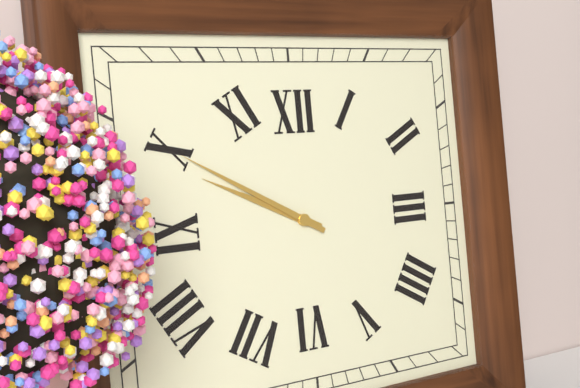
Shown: h=9 m=50
